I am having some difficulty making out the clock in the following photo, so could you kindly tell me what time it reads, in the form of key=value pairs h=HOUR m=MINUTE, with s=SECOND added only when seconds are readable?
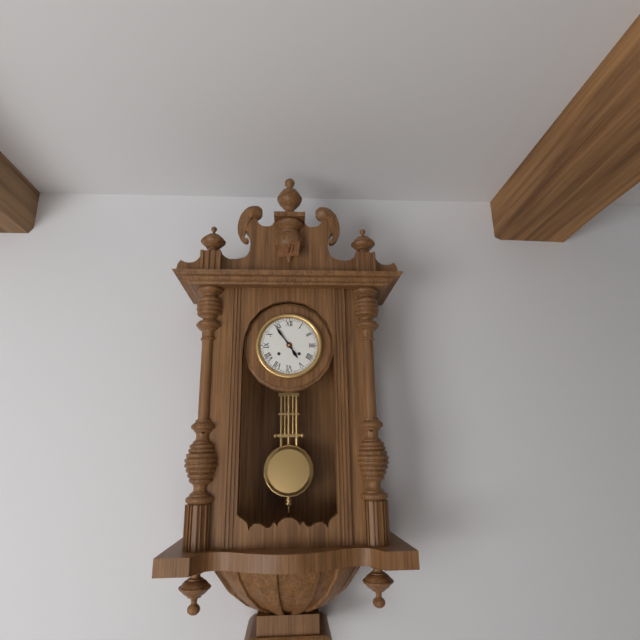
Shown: h=4 m=54
